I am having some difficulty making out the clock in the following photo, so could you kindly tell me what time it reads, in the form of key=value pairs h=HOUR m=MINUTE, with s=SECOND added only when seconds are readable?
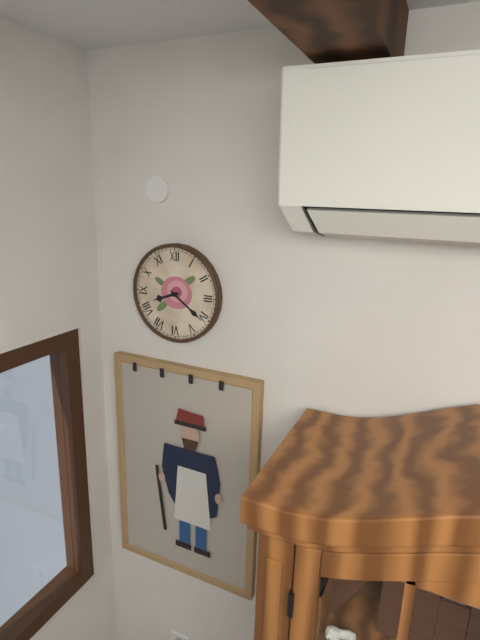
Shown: h=8 m=21
